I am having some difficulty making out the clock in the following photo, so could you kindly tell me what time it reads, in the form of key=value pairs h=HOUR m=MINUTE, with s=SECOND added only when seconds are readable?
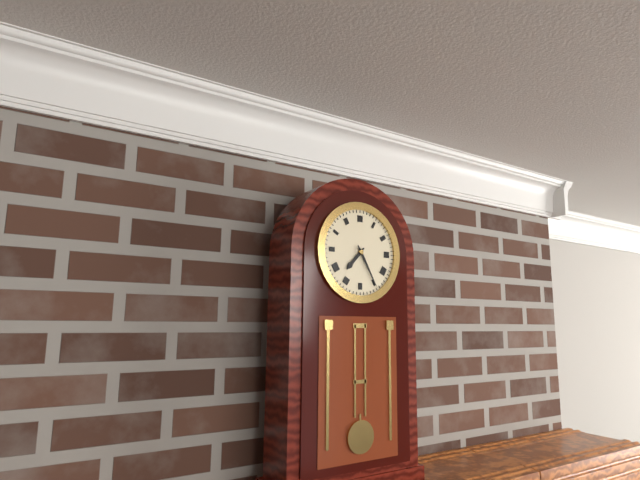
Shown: h=7 m=25
